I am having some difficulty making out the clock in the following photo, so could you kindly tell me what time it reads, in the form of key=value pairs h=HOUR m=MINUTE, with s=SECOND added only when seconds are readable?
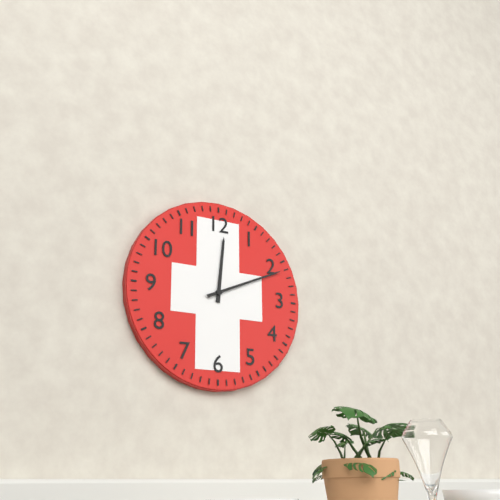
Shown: h=12 m=11
